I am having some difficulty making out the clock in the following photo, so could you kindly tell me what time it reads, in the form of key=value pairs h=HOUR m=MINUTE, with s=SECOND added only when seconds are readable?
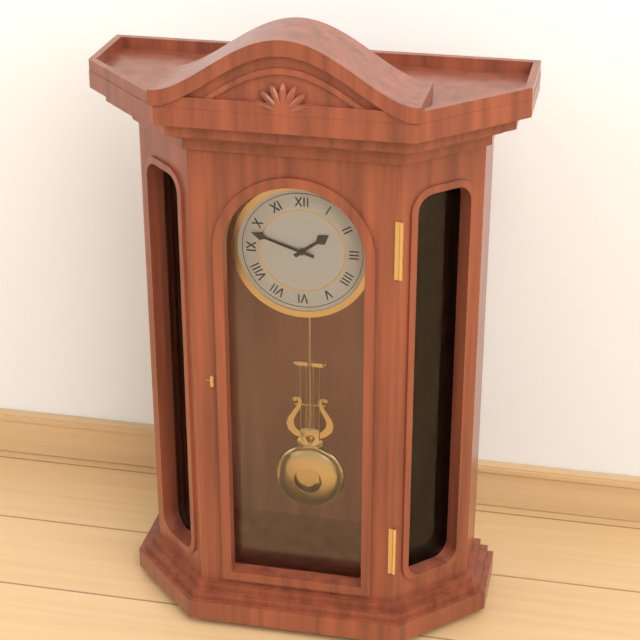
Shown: h=1 m=48
